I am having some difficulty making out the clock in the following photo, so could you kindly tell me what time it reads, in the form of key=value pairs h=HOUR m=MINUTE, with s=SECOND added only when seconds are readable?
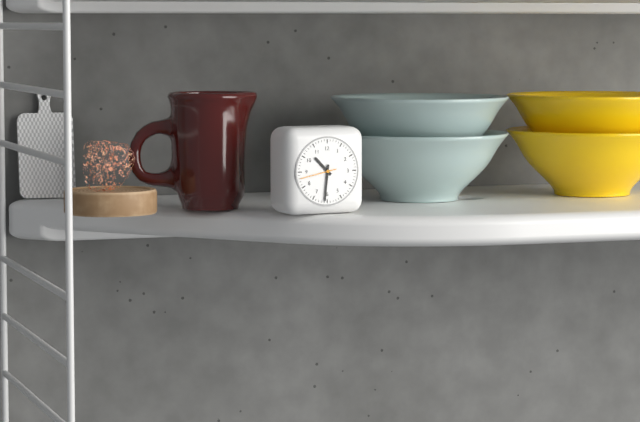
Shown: h=10 m=31
